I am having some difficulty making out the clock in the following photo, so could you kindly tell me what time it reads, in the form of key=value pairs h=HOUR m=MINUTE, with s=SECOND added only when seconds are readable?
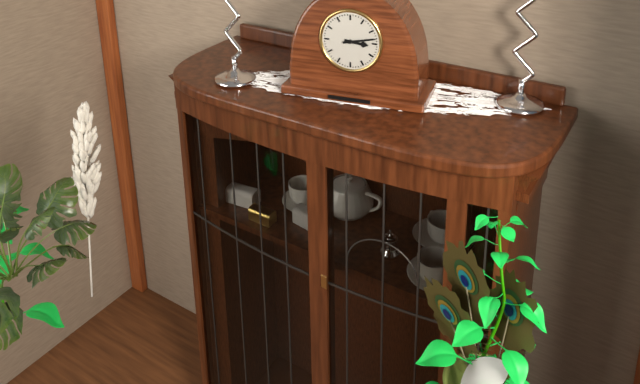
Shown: h=3 m=13
